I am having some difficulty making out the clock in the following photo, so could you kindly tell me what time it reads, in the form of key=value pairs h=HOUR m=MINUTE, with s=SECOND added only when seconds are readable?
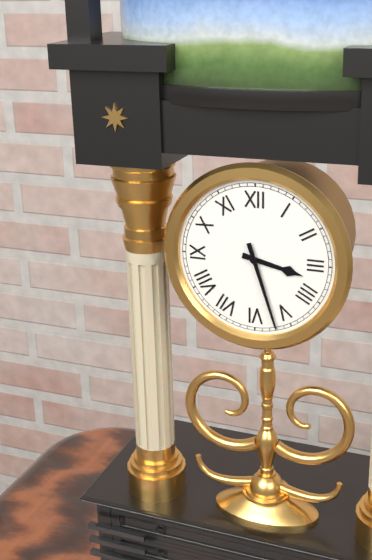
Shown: h=3 m=27
